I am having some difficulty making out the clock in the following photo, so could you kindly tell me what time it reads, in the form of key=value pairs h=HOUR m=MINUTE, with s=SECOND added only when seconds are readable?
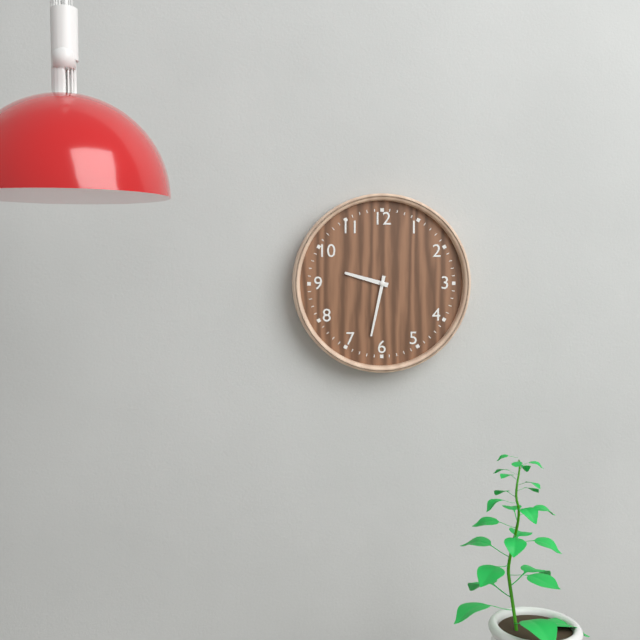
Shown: h=9 m=32
